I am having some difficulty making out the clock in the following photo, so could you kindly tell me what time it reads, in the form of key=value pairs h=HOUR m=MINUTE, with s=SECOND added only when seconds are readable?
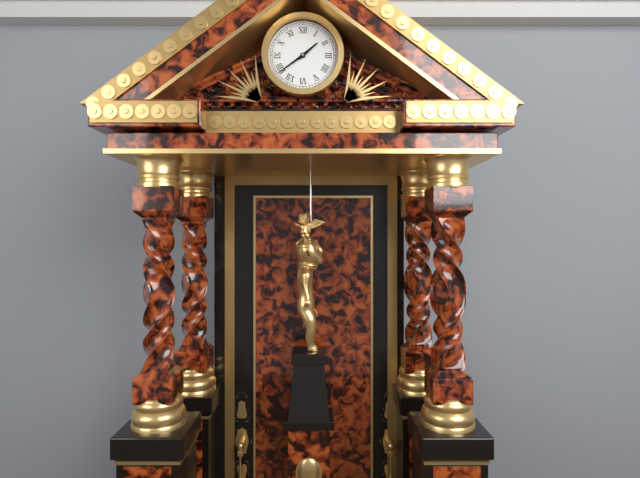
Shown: h=1 m=39
